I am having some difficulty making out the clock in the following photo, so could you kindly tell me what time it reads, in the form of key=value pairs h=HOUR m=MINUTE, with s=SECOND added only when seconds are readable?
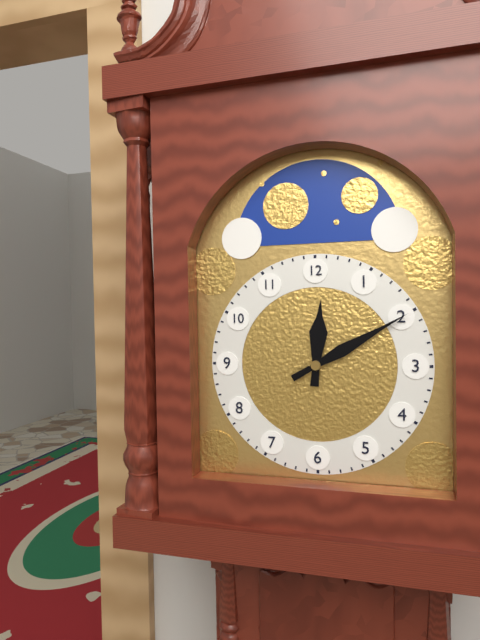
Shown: h=12 m=10
